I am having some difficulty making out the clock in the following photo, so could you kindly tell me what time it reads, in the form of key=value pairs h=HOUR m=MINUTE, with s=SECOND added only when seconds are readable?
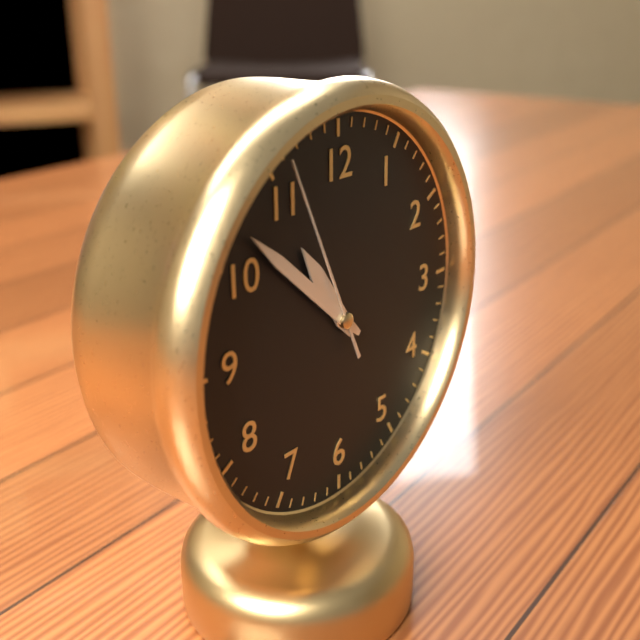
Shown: h=10 m=52 s=56
